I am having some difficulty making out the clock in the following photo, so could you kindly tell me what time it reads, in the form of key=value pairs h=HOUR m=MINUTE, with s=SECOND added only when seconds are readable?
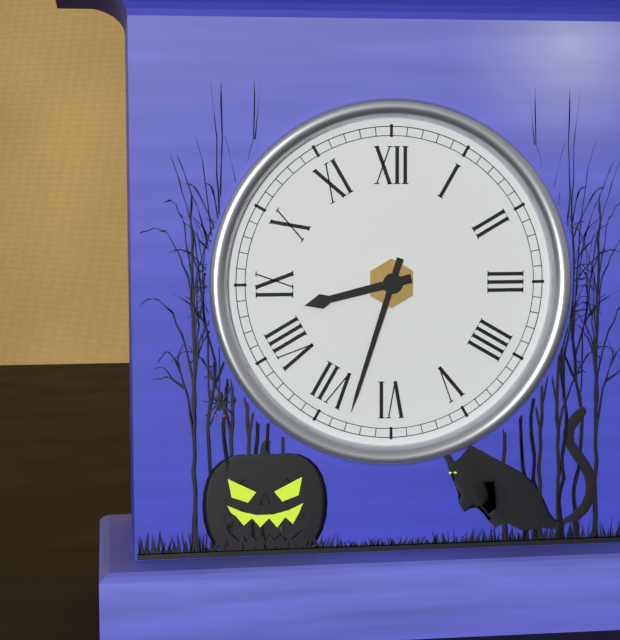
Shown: h=8 m=33
